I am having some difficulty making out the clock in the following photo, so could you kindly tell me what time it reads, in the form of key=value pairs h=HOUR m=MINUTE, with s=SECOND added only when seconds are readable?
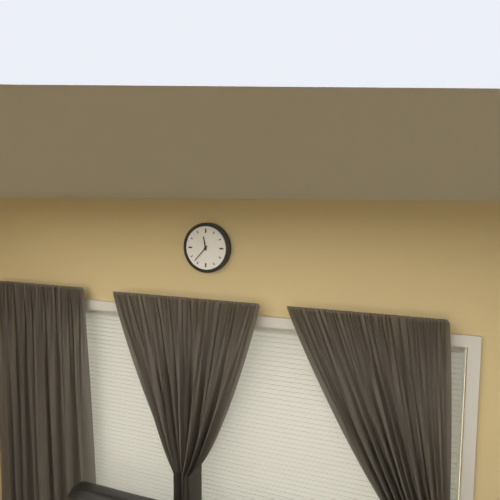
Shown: h=11 m=37
